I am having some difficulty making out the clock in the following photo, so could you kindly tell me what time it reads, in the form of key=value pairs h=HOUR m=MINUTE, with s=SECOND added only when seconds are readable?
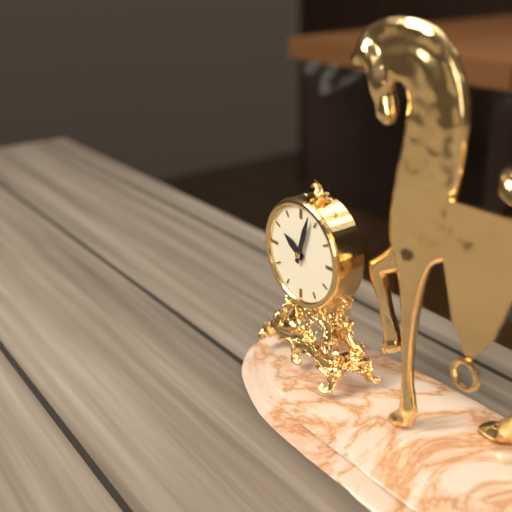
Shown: h=10 m=3
